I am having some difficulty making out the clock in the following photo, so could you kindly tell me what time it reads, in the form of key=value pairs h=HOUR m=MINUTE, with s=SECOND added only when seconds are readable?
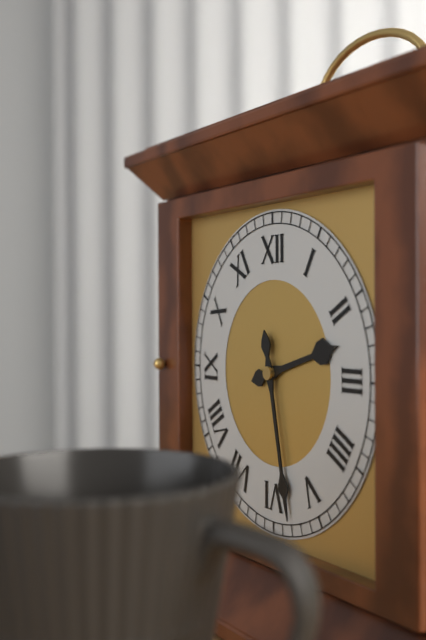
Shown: h=2 m=28
